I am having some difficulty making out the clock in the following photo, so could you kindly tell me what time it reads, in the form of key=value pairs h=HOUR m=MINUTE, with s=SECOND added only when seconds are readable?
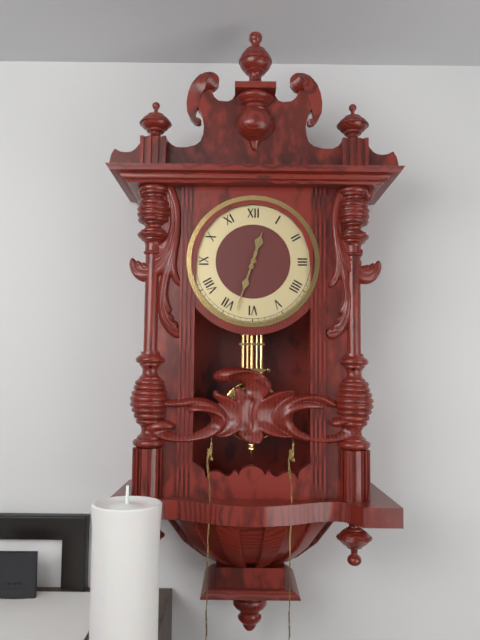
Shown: h=12 m=33
